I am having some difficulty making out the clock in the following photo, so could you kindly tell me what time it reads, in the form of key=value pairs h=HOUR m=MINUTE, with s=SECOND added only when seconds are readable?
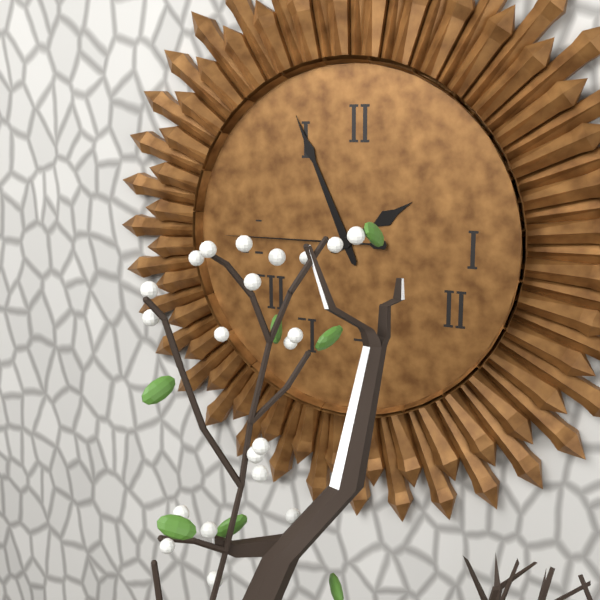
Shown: h=1 m=56 s=45
